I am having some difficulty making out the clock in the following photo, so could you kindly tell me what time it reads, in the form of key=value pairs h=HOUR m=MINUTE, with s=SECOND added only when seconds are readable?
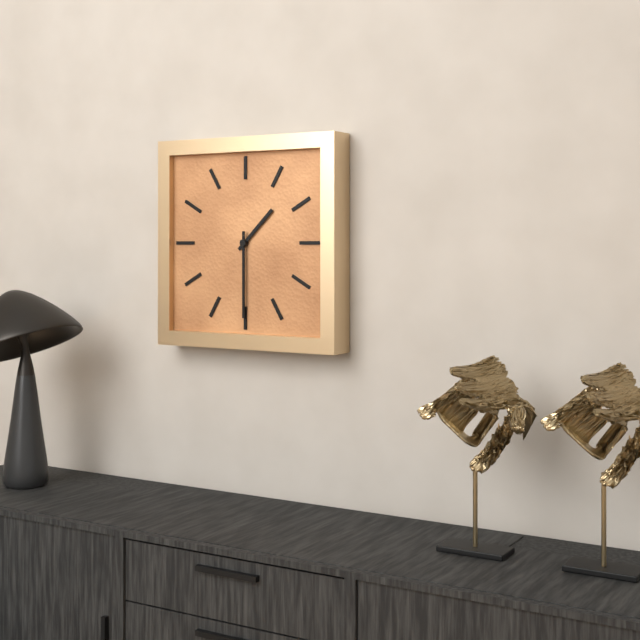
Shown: h=1 m=30
